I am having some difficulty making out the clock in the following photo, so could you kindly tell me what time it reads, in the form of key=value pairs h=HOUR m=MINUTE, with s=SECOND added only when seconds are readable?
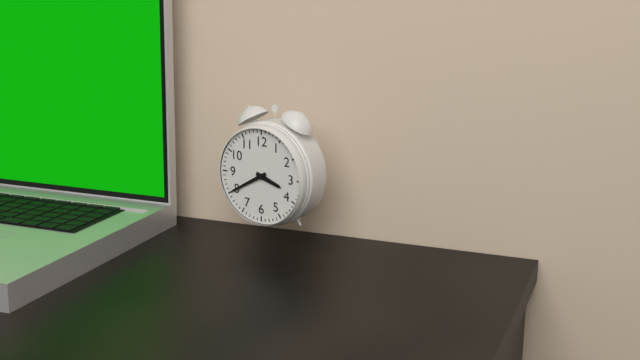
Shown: h=3 m=40
